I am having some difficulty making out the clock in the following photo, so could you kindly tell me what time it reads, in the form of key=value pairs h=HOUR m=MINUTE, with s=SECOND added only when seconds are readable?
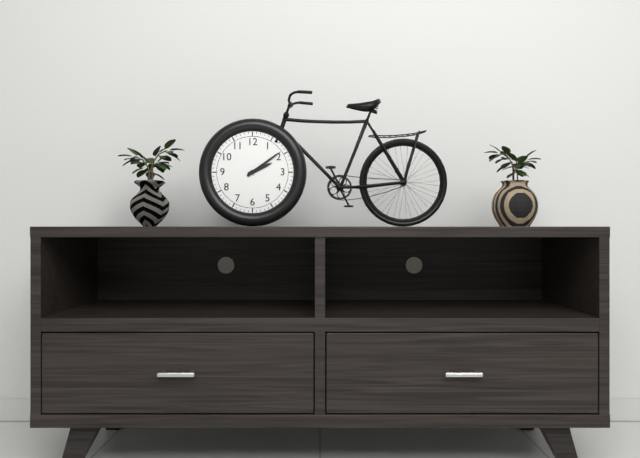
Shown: h=2 m=9
